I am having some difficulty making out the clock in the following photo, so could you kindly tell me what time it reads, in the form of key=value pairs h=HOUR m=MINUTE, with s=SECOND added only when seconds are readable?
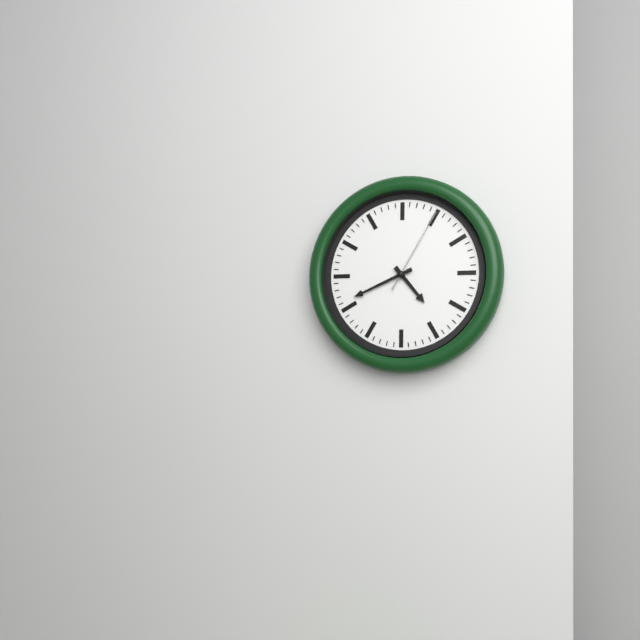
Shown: h=4 m=41 s=5
